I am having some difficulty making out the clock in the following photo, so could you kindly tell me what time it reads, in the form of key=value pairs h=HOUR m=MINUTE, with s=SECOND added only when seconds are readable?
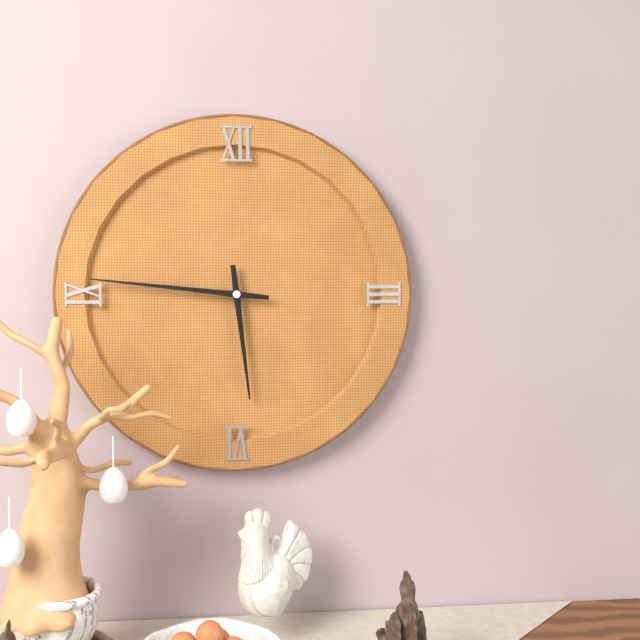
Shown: h=5 m=46
